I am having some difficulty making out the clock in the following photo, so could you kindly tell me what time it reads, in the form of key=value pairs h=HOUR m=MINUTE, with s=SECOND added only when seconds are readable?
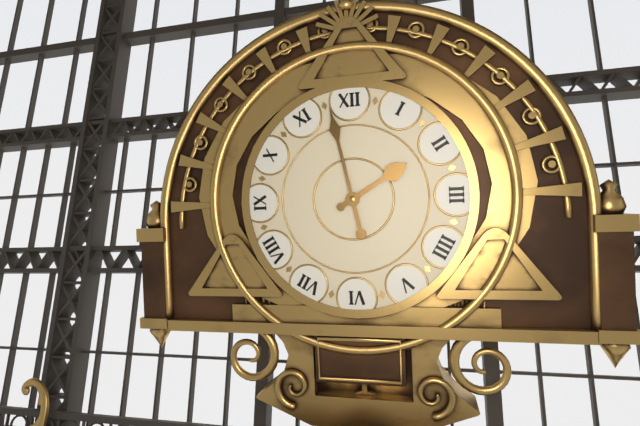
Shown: h=1 m=58
